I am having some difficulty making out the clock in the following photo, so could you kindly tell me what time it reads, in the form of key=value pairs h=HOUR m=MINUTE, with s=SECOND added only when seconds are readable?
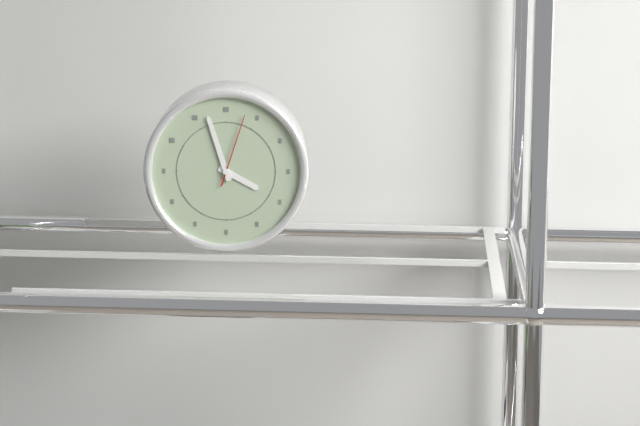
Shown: h=3 m=57 s=3
